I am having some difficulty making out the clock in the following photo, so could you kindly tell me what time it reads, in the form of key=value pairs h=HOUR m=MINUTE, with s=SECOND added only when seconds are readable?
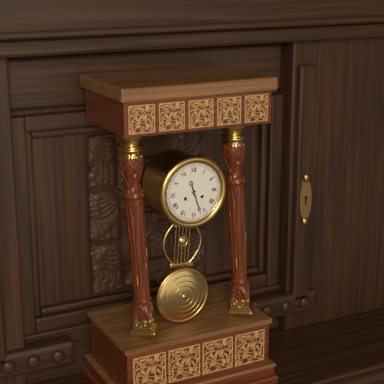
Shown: h=11 m=27
